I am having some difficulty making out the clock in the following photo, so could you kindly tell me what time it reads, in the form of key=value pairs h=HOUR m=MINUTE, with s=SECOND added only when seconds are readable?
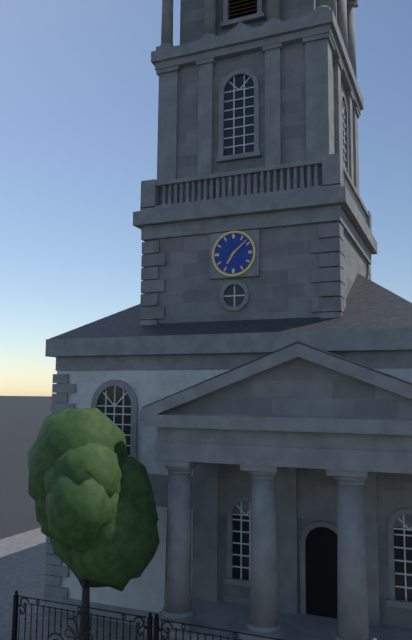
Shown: h=7 m=8
